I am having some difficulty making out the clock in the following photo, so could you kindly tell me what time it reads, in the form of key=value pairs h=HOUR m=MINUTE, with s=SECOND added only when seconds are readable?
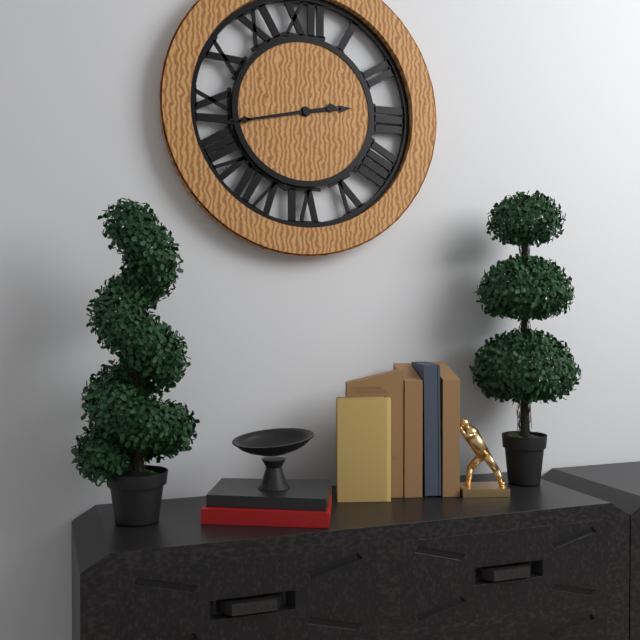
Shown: h=2 m=43
